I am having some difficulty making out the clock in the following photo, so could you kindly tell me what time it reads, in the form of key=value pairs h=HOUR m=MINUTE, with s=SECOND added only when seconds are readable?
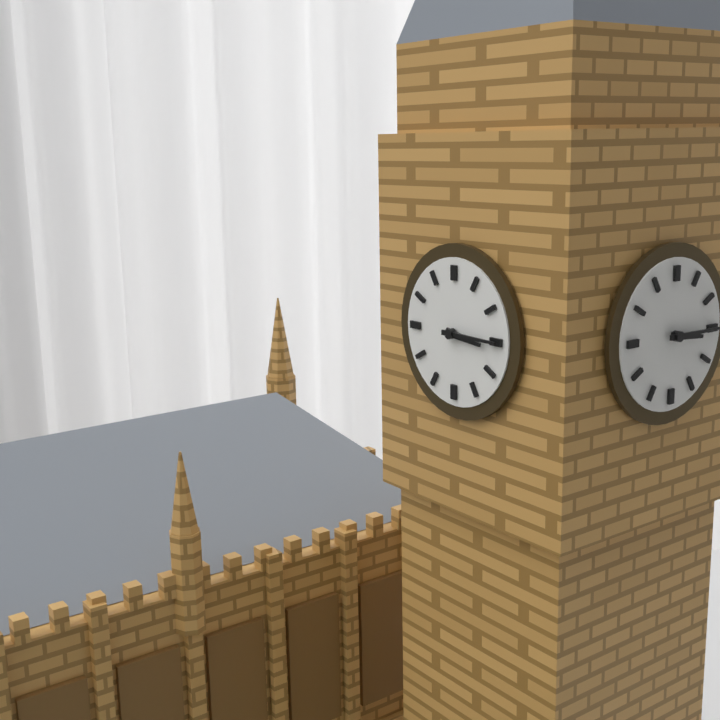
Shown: h=3 m=15
